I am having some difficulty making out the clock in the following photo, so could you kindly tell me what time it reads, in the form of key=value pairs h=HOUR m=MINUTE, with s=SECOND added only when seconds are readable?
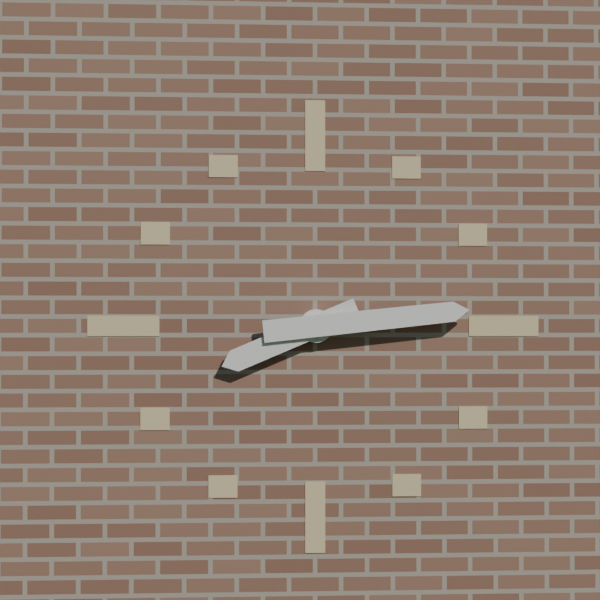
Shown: h=8 m=14
